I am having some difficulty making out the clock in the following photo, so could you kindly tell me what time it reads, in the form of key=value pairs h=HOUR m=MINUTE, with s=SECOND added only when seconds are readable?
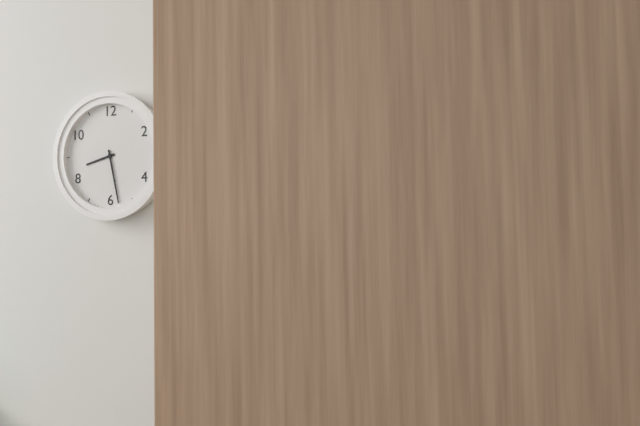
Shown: h=8 m=28
